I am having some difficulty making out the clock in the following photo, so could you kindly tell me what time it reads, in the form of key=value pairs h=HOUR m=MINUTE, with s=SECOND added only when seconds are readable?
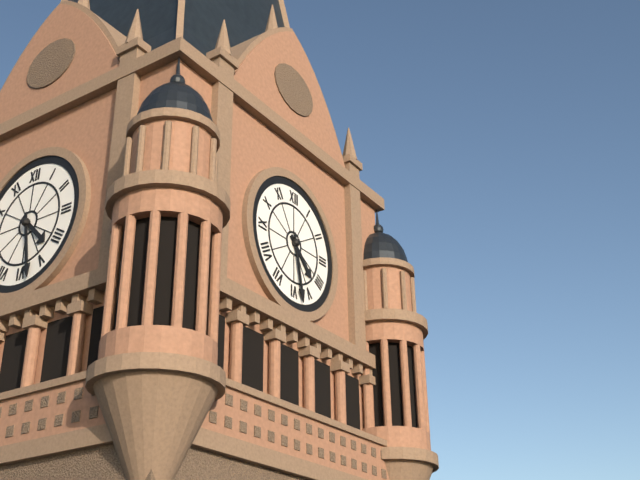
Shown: h=4 m=28
